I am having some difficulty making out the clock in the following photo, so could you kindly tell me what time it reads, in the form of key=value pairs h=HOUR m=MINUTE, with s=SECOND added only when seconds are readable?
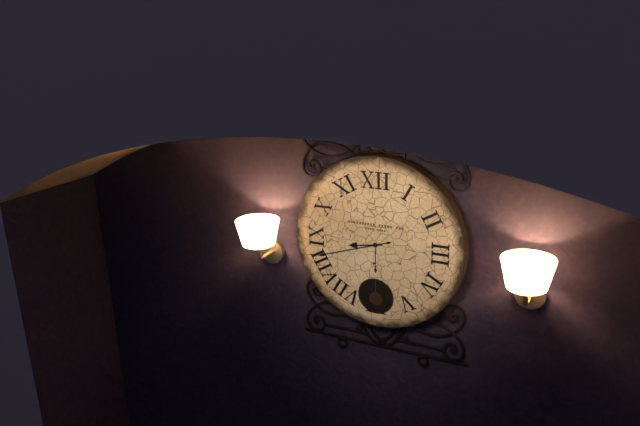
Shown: h=8 m=42
